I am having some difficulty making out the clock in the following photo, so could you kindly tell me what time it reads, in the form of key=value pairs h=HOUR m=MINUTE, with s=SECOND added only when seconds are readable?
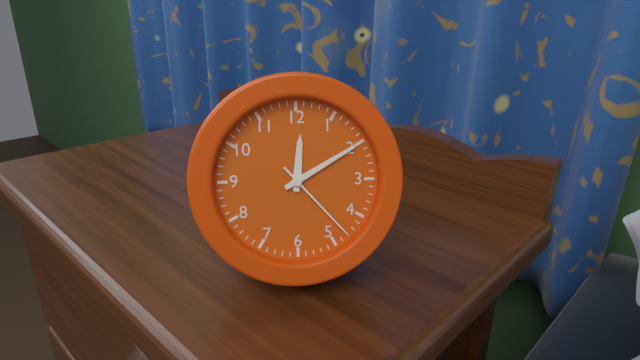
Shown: h=12 m=10 s=23
